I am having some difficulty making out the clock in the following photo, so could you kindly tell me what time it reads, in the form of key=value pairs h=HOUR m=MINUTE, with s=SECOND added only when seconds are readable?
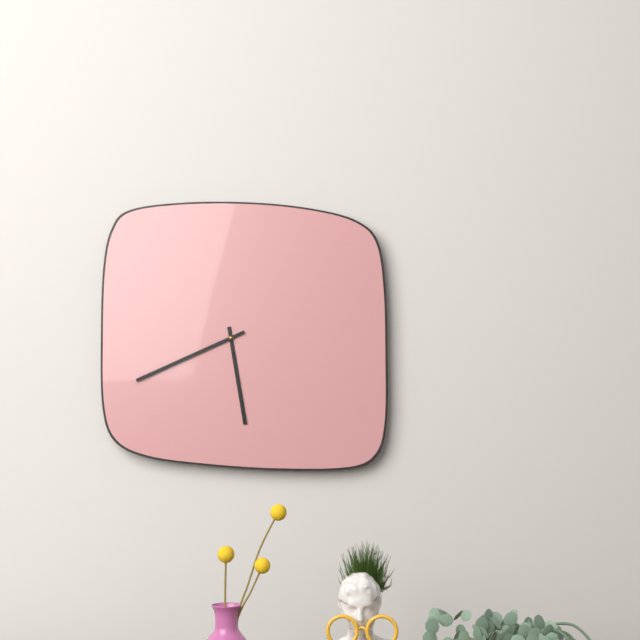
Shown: h=5 m=41
